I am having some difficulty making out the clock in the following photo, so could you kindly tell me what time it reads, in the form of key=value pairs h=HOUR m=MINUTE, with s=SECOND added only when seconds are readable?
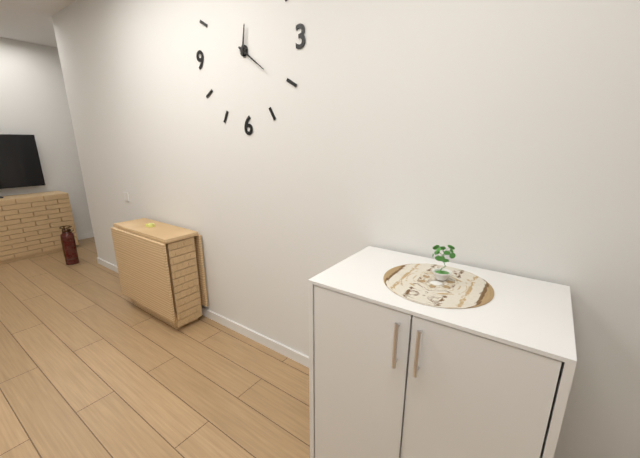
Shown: h=12 m=21
